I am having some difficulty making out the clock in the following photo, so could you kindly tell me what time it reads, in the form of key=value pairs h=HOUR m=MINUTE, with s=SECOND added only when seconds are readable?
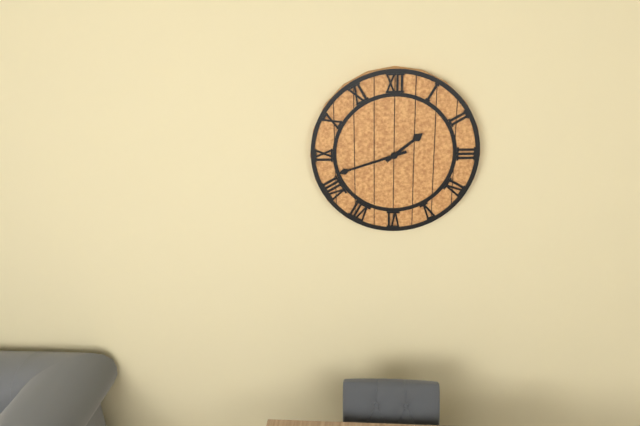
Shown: h=1 m=42
